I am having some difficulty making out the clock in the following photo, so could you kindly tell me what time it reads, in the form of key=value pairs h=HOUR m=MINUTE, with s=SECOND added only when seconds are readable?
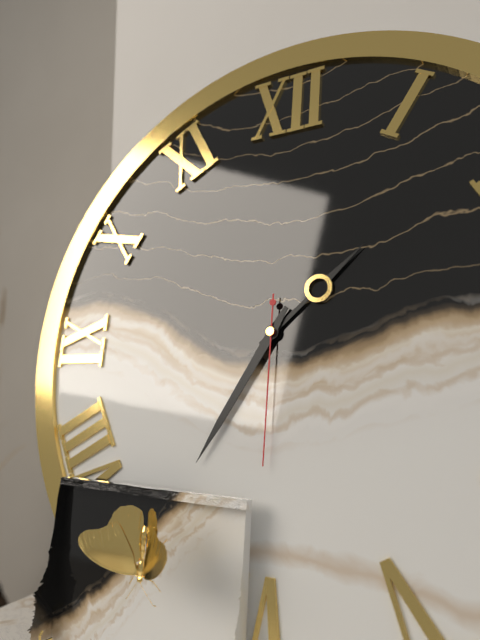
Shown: h=1 m=35 s=30
